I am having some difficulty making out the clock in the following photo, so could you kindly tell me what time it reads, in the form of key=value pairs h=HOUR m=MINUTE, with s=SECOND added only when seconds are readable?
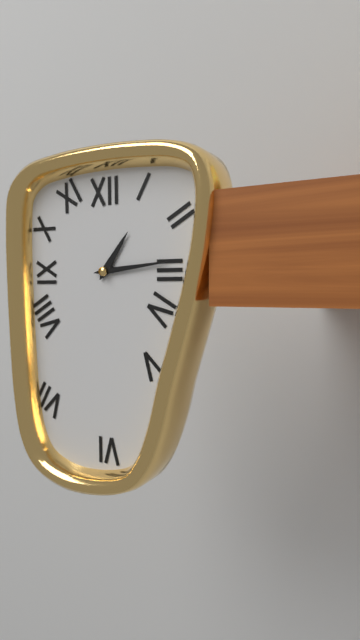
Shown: h=1 m=14
